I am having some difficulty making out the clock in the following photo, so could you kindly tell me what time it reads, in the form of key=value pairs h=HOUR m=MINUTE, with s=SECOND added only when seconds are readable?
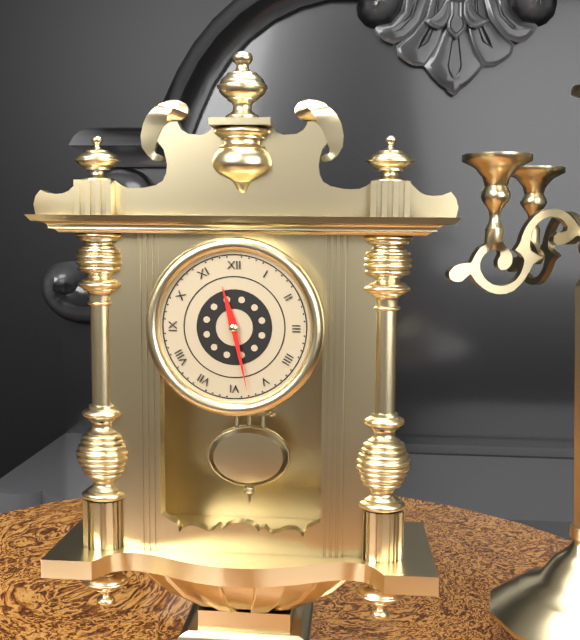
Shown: h=11 m=28
